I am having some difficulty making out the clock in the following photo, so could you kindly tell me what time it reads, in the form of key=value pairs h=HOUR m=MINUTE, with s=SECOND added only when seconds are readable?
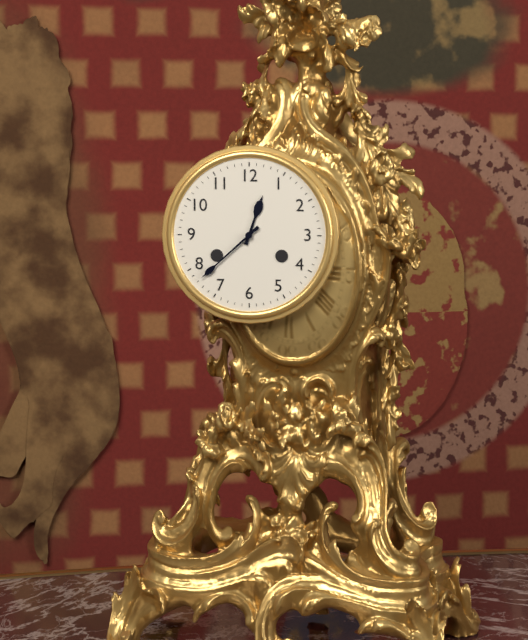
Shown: h=12 m=38
